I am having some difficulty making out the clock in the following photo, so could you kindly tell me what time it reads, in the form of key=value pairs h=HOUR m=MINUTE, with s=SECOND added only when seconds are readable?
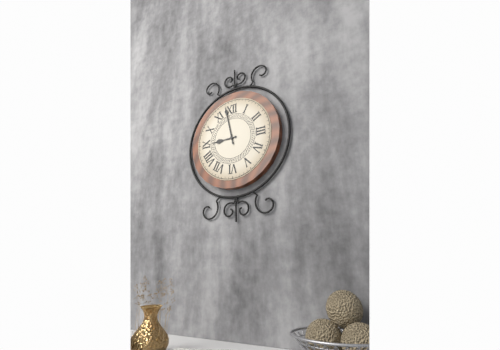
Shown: h=8 m=58
